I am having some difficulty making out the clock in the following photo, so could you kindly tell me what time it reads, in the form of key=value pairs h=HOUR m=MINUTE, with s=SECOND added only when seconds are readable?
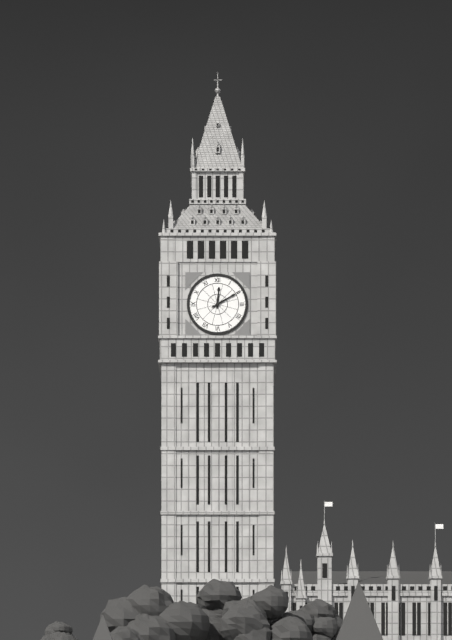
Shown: h=12 m=10
